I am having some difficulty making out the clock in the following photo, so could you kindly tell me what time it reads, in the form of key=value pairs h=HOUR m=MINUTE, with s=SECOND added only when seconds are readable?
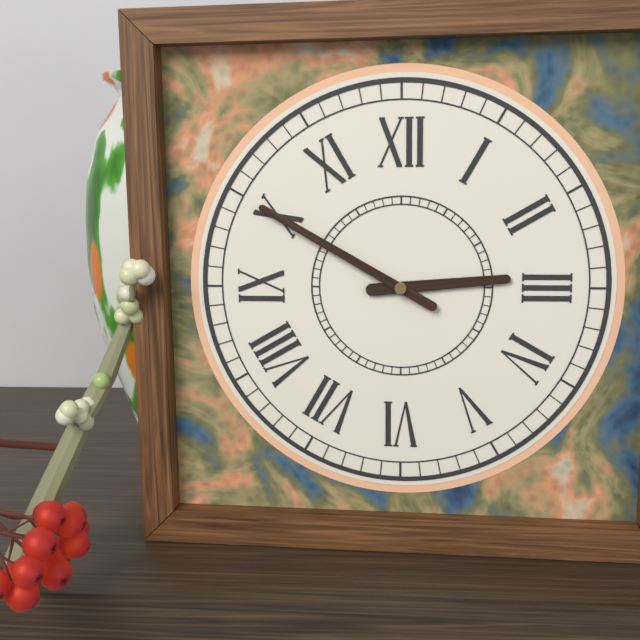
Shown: h=2 m=50
